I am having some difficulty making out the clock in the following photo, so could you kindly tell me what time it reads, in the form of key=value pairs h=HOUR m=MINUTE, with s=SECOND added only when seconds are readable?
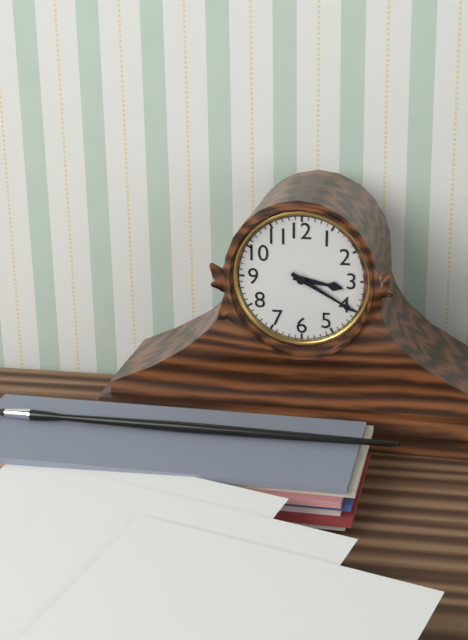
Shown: h=3 m=20
